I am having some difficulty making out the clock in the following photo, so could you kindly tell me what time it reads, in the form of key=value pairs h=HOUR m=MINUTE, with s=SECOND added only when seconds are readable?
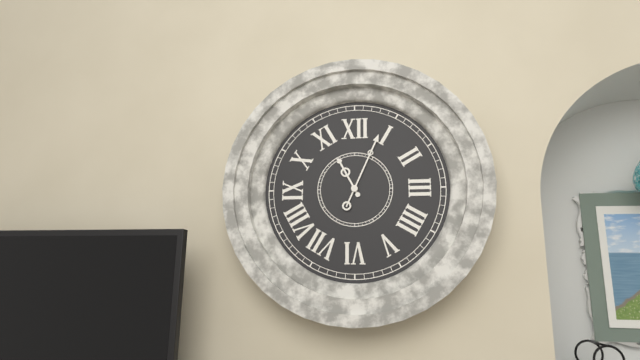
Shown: h=11 m=4
